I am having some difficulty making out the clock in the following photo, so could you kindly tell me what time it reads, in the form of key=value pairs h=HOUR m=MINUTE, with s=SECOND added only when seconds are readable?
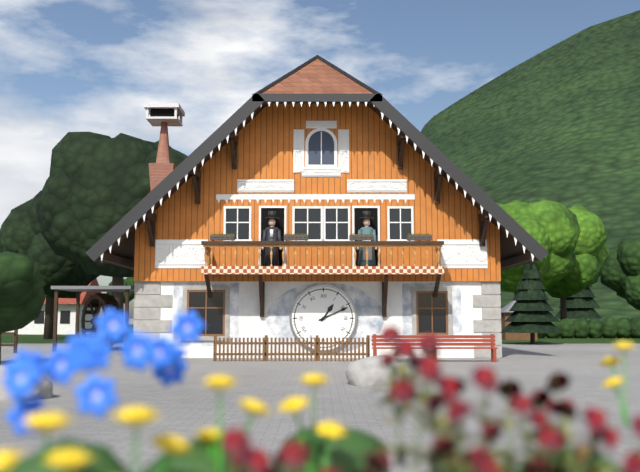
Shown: h=1 m=11
